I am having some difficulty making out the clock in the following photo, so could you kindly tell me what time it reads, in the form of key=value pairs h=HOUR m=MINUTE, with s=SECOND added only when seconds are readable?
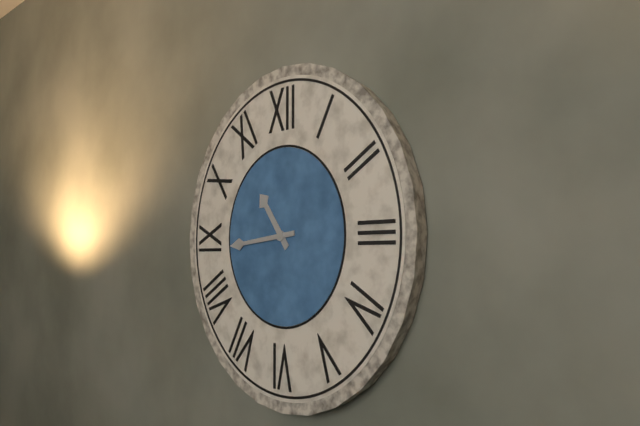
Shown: h=10 m=44
